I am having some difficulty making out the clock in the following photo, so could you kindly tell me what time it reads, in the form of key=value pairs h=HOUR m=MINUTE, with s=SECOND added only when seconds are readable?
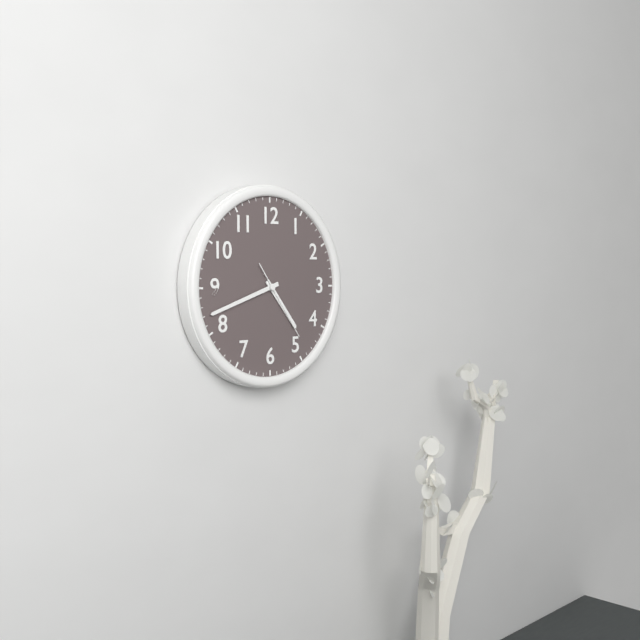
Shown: h=4 m=42 s=24
